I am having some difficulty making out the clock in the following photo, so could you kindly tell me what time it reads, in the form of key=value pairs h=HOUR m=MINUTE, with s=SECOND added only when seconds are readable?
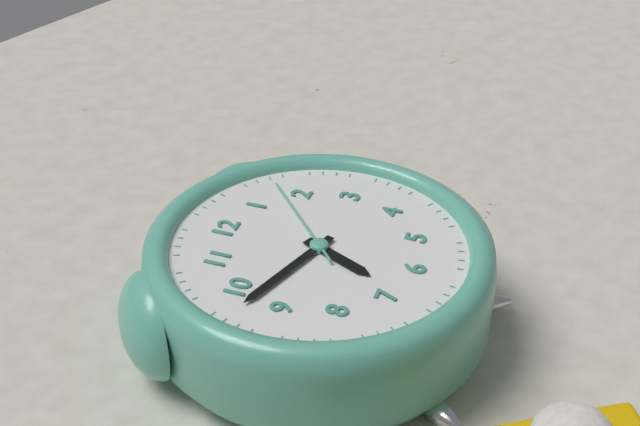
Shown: h=6 m=48 s=8
